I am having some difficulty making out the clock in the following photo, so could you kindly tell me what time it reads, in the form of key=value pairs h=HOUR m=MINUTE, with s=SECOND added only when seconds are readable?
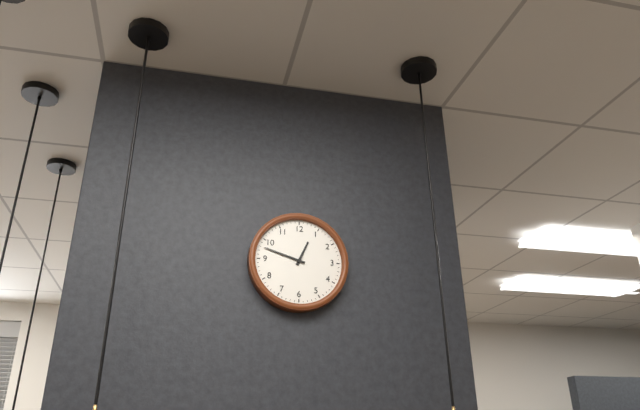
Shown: h=12 m=48
